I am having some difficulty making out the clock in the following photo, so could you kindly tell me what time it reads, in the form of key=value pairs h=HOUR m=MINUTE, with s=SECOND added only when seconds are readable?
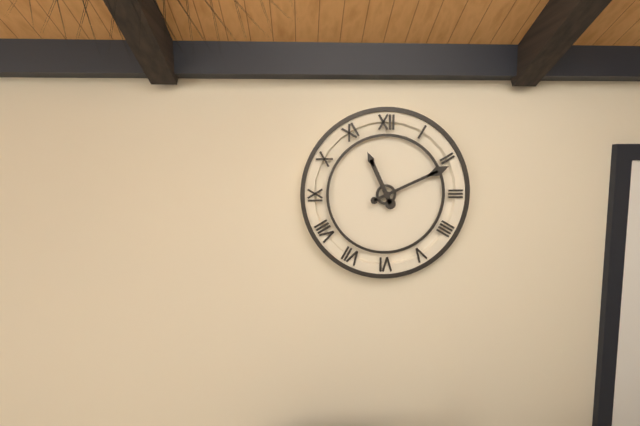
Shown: h=11 m=11
